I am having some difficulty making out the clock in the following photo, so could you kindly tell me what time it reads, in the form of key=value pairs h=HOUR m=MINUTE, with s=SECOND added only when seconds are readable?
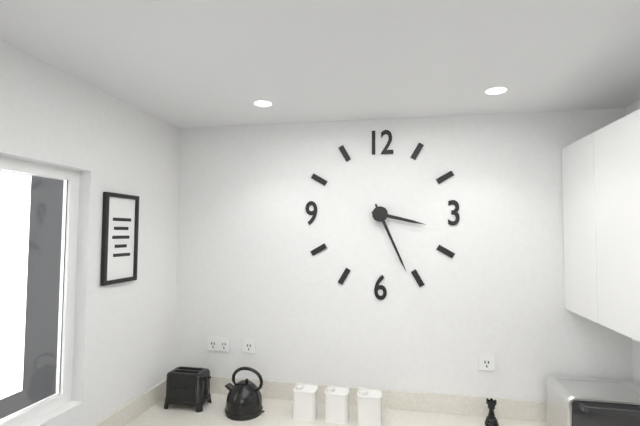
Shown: h=3 m=26
